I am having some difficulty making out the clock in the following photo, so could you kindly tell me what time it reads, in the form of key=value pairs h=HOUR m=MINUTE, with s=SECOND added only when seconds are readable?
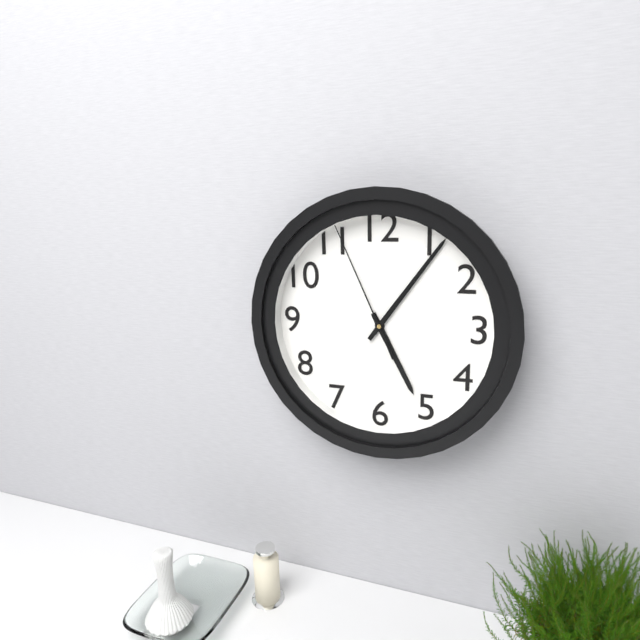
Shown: h=5 m=6 s=56
